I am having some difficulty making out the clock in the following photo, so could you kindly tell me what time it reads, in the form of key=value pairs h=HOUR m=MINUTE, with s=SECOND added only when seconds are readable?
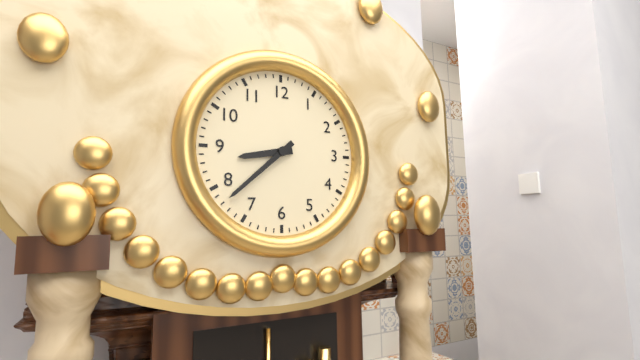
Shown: h=8 m=38
